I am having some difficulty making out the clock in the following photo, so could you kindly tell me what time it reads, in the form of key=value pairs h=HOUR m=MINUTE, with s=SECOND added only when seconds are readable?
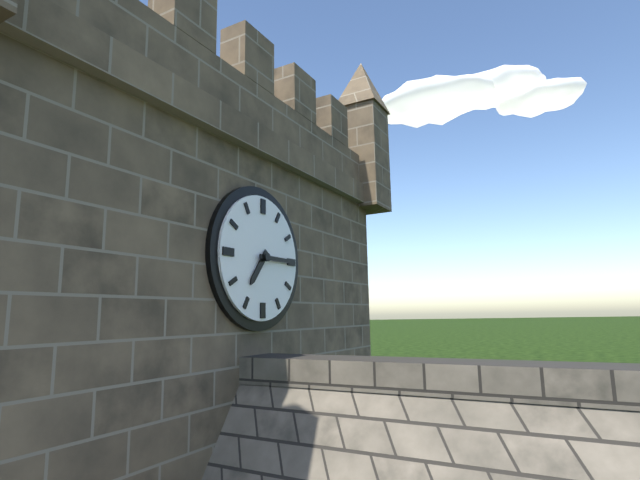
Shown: h=7 m=15
